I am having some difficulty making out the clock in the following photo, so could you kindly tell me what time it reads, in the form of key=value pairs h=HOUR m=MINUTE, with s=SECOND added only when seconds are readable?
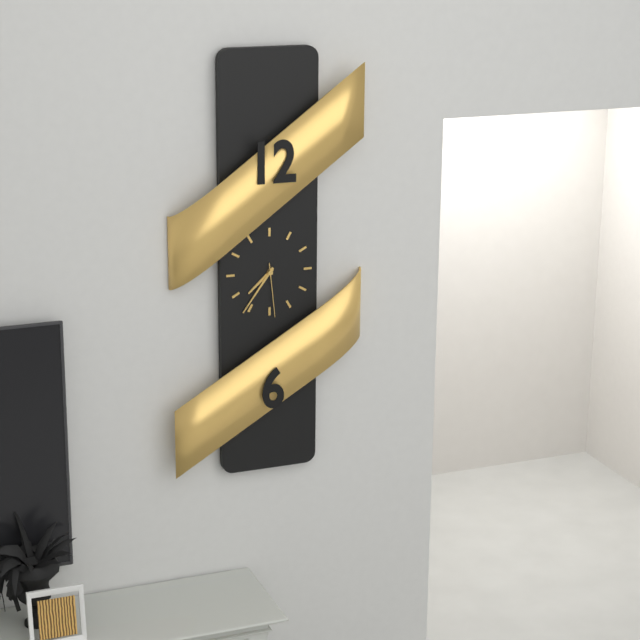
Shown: h=7 m=36 s=29
